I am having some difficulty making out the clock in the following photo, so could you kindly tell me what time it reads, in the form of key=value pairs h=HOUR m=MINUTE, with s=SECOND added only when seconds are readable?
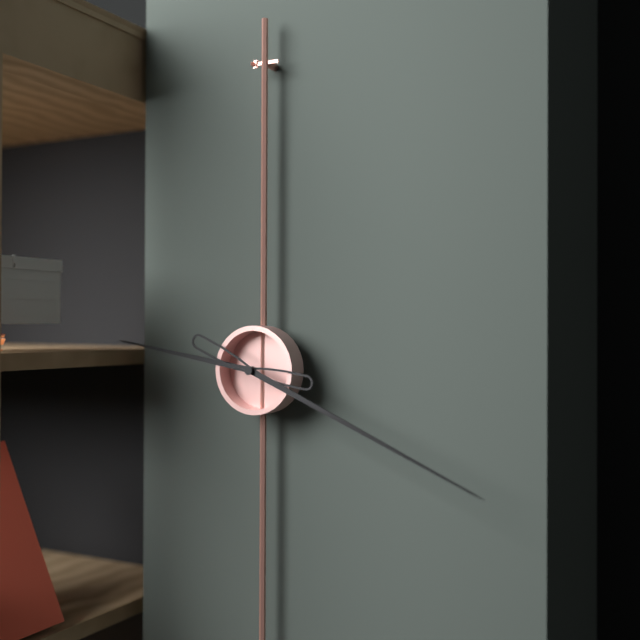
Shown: h=9 m=19
